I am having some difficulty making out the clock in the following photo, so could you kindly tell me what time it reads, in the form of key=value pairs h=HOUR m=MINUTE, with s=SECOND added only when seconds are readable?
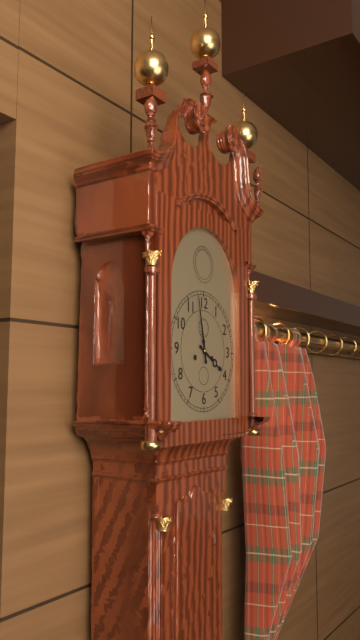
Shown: h=3 m=58
